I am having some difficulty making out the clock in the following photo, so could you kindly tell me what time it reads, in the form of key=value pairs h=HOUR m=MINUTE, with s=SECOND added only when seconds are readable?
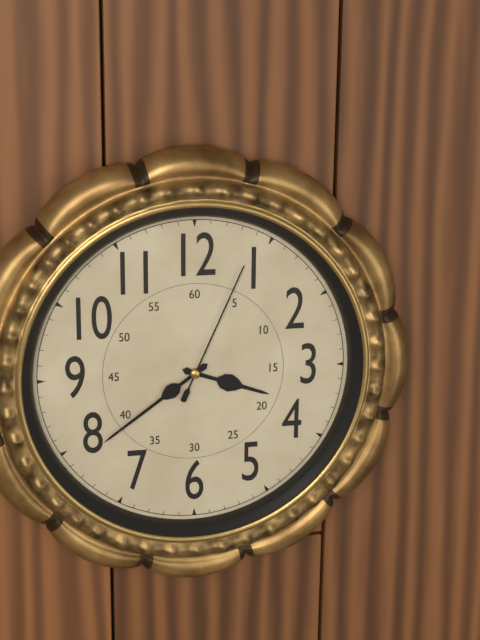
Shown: h=3 m=39 s=4
